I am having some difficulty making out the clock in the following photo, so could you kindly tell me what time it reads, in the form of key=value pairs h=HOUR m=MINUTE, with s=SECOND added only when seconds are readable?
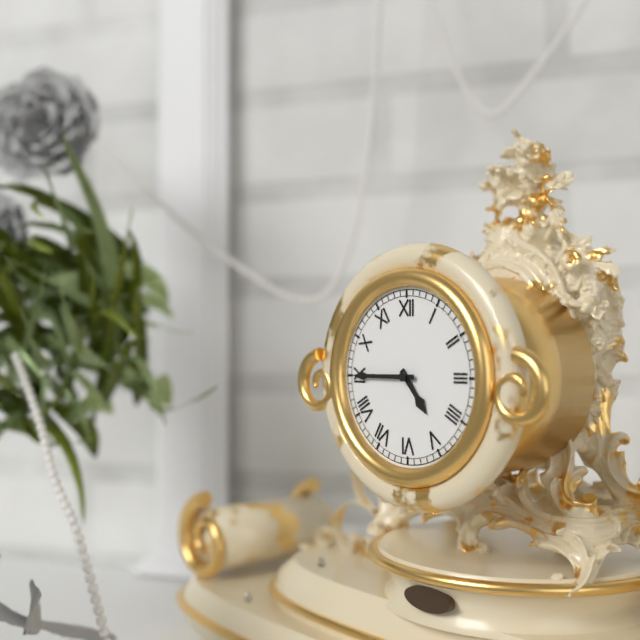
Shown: h=4 m=45
